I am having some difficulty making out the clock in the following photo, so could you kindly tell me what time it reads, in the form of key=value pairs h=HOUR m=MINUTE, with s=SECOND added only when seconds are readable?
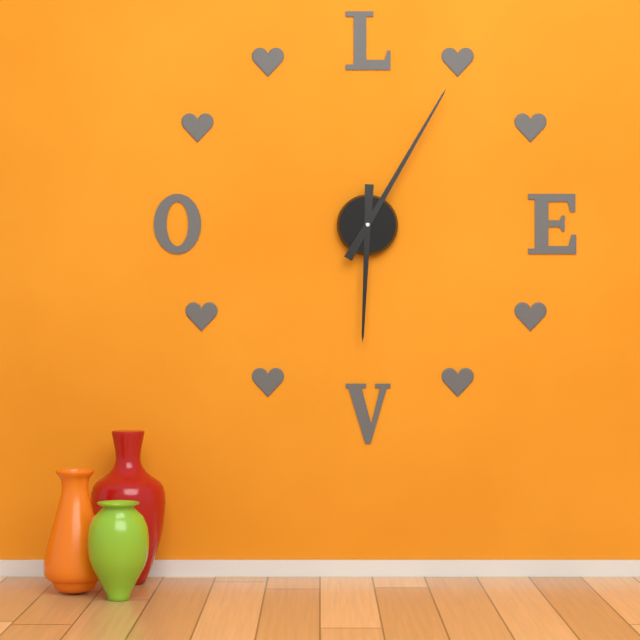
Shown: h=6 m=5
